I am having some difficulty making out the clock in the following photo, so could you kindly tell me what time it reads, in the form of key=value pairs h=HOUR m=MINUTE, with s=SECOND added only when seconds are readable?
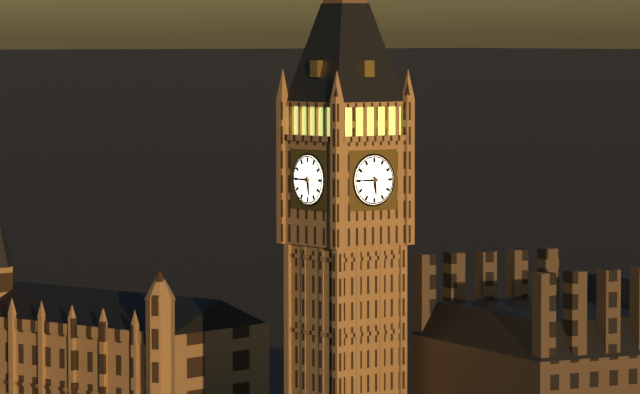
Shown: h=5 m=45
